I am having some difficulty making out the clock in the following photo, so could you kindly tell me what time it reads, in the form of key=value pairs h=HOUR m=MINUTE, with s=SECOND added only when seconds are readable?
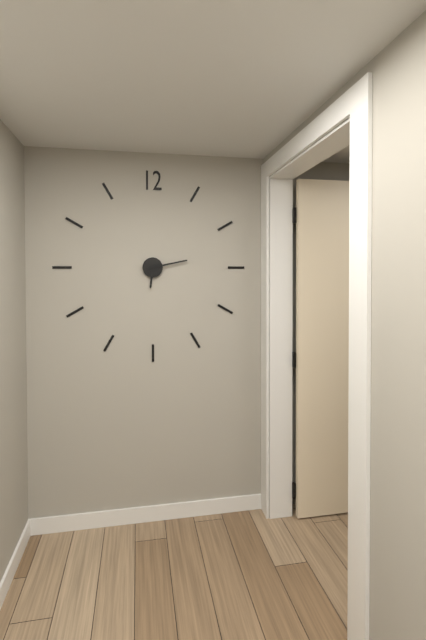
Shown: h=6 m=13
